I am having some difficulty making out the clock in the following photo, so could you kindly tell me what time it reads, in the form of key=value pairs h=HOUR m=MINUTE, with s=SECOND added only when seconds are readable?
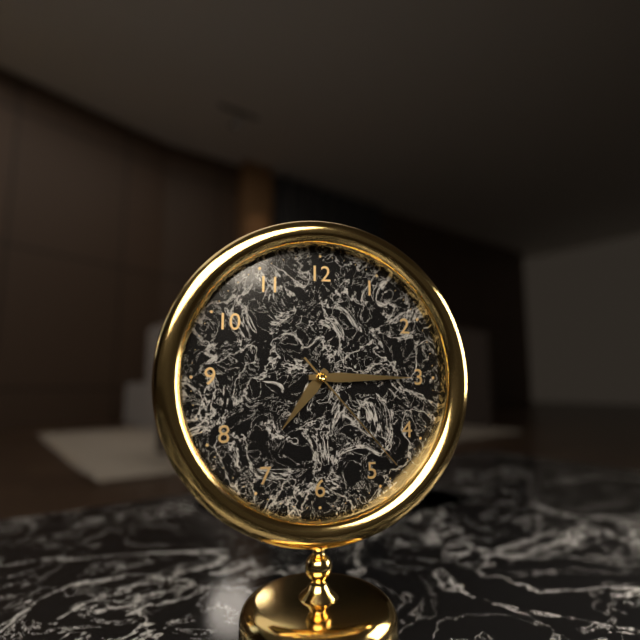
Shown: h=7 m=15 s=23
